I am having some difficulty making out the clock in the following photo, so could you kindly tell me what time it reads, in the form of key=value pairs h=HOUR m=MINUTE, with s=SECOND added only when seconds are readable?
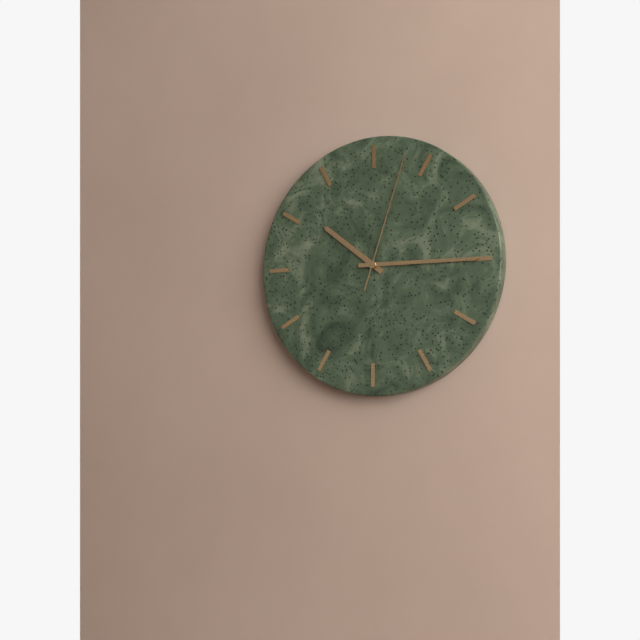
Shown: h=10 m=15 s=3
